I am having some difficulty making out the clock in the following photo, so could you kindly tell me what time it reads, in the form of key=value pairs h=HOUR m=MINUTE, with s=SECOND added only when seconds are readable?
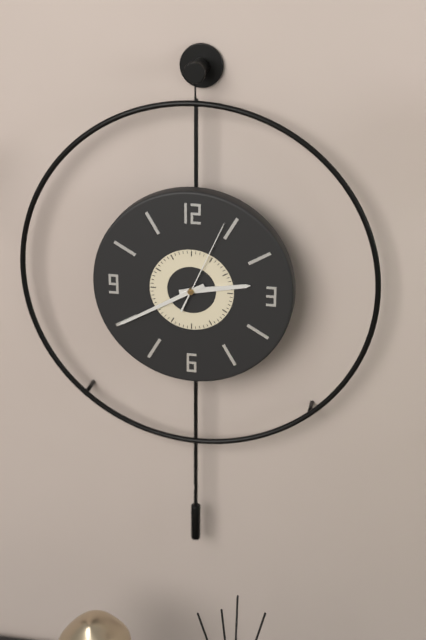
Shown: h=2 m=40 s=4
